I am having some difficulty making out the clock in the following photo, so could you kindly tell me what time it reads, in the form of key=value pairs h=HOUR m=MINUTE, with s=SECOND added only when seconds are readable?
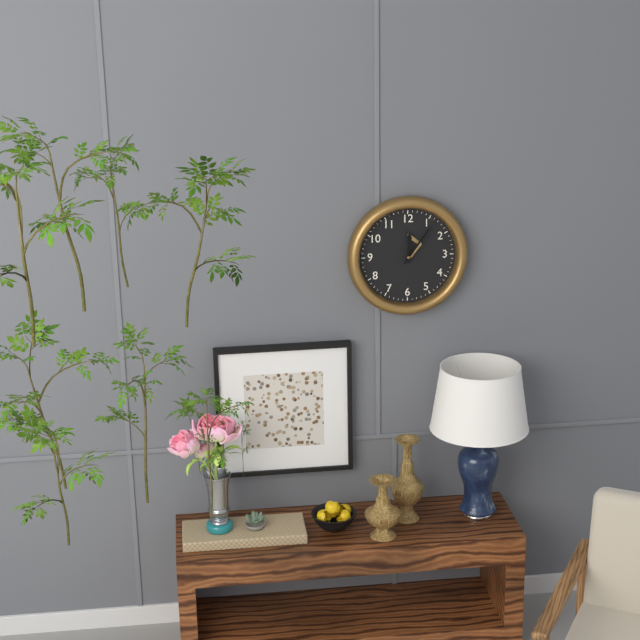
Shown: h=12 m=6
